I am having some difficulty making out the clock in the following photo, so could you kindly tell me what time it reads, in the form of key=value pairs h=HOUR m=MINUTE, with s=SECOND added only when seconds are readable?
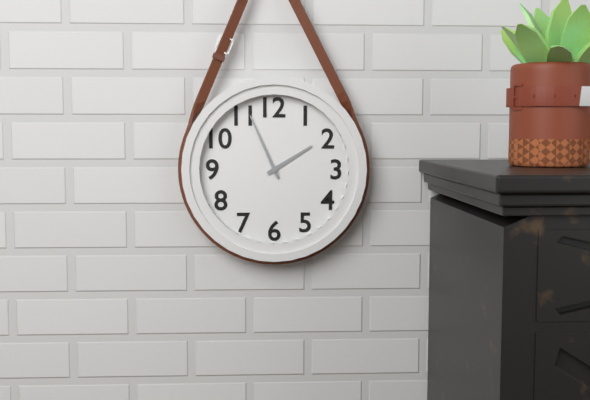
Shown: h=1 m=56
